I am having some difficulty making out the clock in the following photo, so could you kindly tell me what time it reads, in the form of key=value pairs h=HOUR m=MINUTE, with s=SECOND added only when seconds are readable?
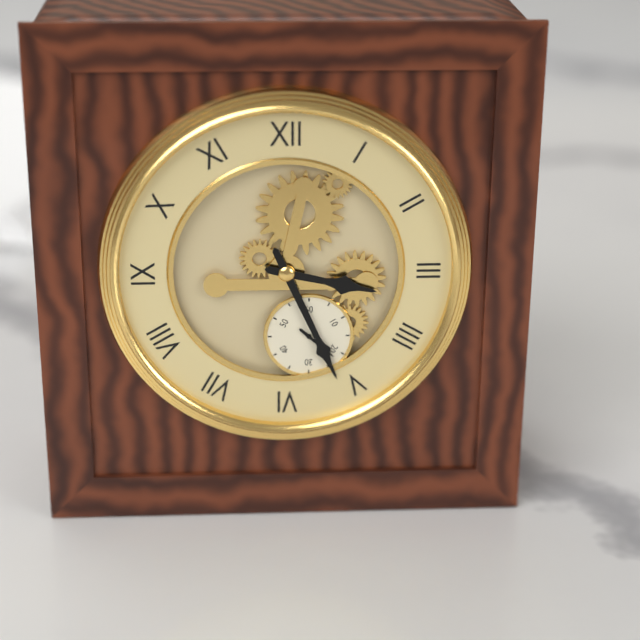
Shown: h=3 m=26
